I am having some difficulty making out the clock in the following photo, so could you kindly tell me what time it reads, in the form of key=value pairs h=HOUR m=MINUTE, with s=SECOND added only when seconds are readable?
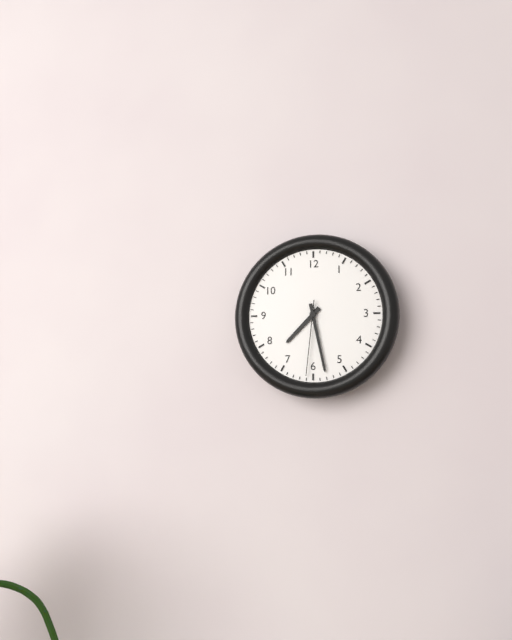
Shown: h=7 m=28 s=31
